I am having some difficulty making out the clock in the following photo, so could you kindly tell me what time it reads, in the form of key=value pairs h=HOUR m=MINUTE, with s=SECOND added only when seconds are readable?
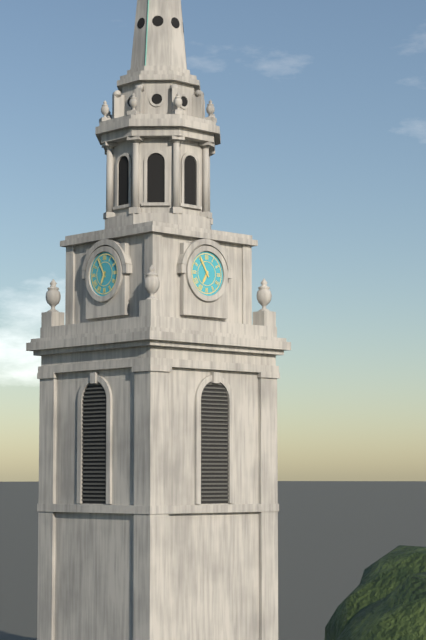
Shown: h=6 m=55
